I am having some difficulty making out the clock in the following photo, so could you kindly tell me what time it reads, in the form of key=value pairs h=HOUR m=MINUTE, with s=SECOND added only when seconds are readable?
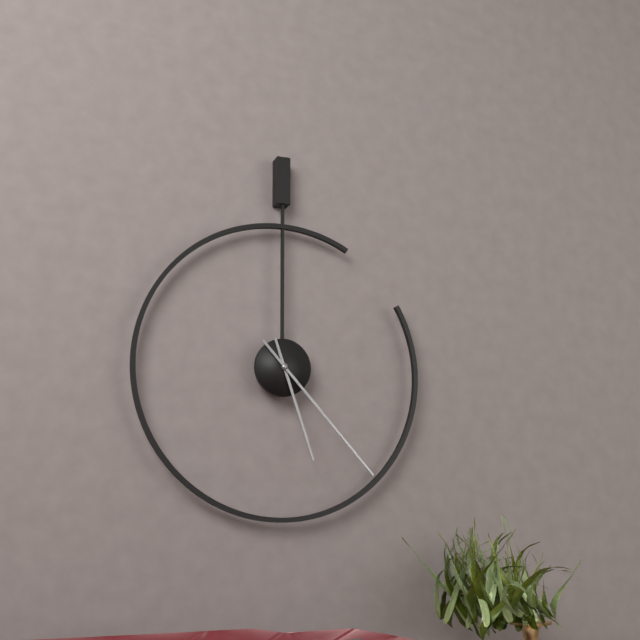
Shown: h=5 m=23
